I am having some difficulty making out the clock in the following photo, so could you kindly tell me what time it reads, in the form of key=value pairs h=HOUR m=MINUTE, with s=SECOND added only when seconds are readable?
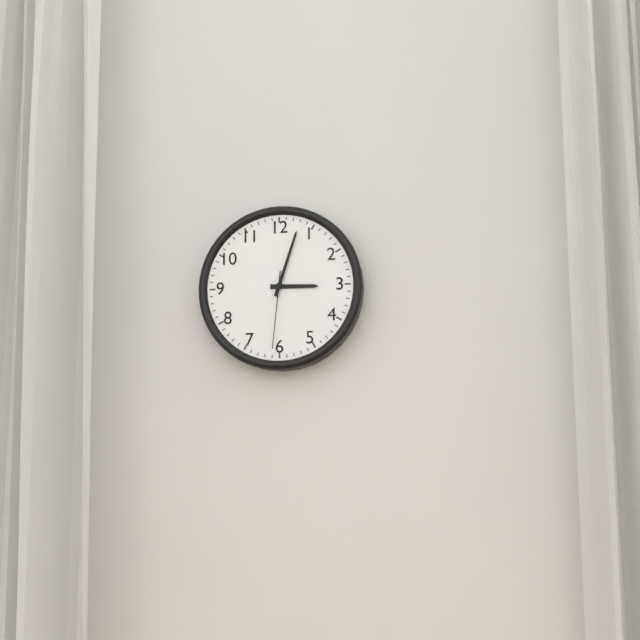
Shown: h=3 m=3 s=31
